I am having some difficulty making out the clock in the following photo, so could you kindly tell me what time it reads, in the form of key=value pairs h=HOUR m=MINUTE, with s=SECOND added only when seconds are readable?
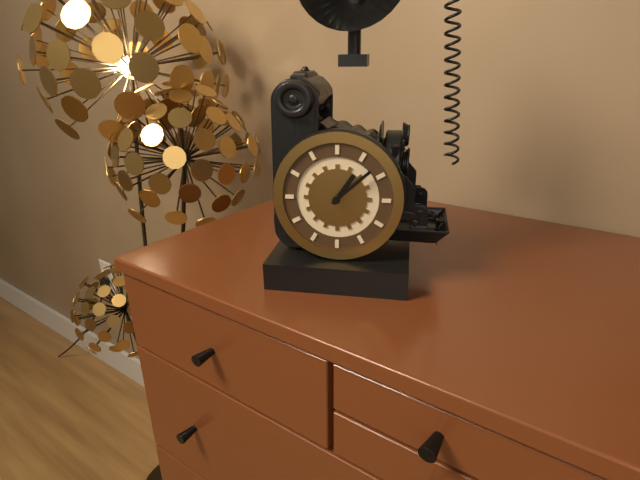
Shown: h=1 m=8
